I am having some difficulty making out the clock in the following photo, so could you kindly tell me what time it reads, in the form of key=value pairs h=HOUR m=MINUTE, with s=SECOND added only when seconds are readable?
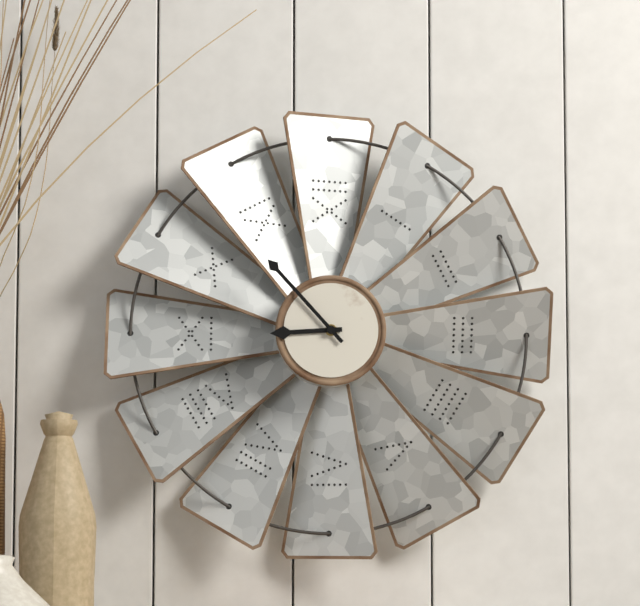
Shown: h=8 m=53
